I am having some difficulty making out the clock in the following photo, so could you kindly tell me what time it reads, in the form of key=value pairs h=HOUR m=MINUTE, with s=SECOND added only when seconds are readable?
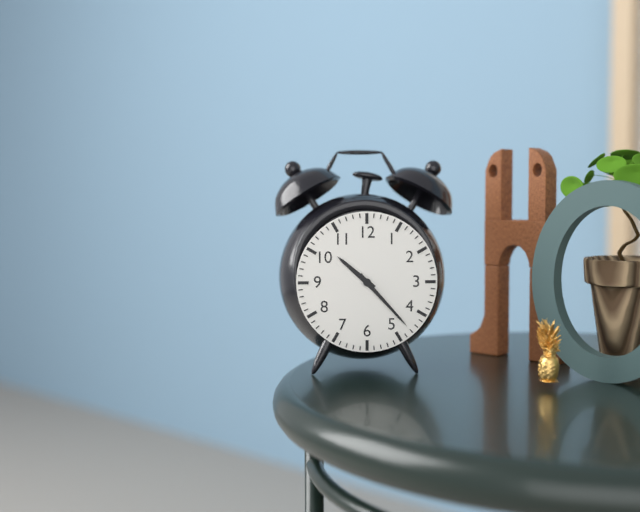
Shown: h=10 m=23
